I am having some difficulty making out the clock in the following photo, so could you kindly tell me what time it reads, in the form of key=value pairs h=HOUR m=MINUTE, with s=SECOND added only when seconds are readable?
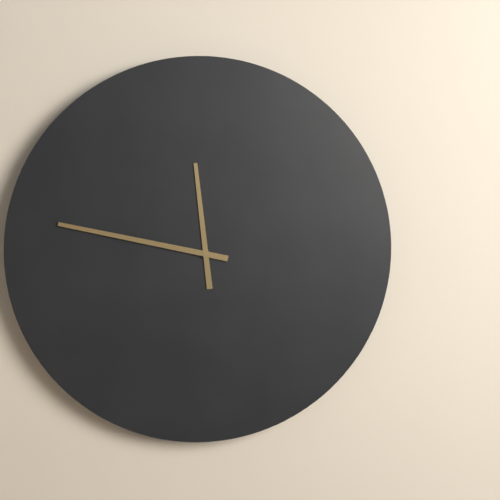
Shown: h=11 m=47
